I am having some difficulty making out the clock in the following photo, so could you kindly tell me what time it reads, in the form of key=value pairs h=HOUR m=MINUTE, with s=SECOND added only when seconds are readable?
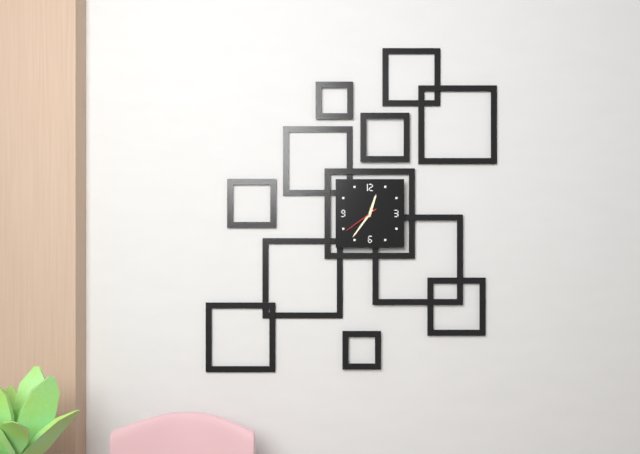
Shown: h=12 m=36
